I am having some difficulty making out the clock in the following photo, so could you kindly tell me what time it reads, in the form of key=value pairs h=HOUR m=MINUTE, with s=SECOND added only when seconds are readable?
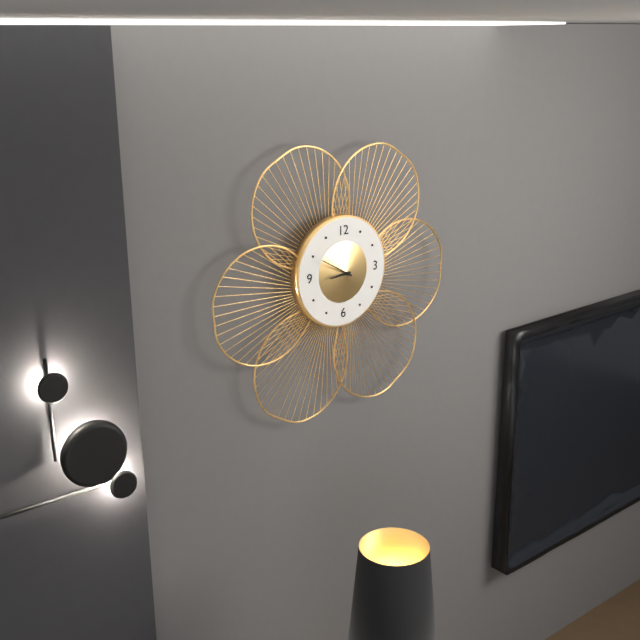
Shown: h=8 m=50
